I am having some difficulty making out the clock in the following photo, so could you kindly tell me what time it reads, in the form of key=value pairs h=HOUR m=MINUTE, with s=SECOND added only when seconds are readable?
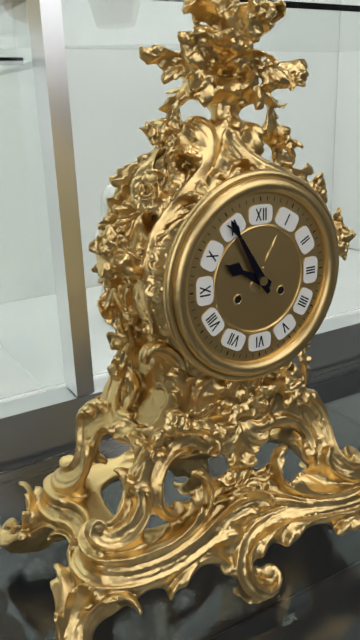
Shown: h=9 m=55
